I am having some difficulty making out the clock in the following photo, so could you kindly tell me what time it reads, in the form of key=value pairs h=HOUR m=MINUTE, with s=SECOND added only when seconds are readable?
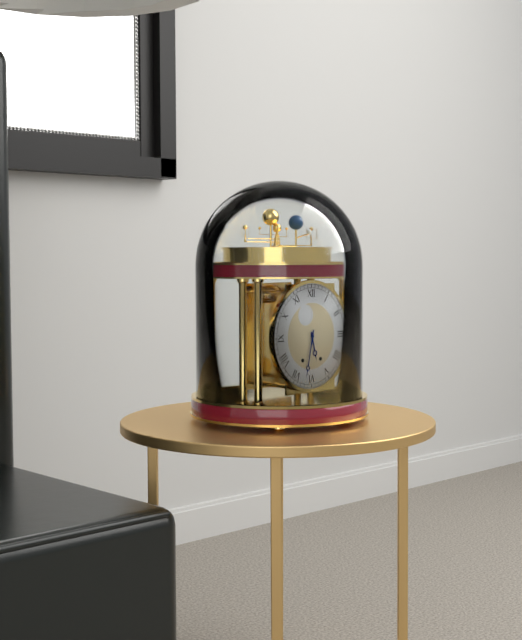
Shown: h=5 m=32
